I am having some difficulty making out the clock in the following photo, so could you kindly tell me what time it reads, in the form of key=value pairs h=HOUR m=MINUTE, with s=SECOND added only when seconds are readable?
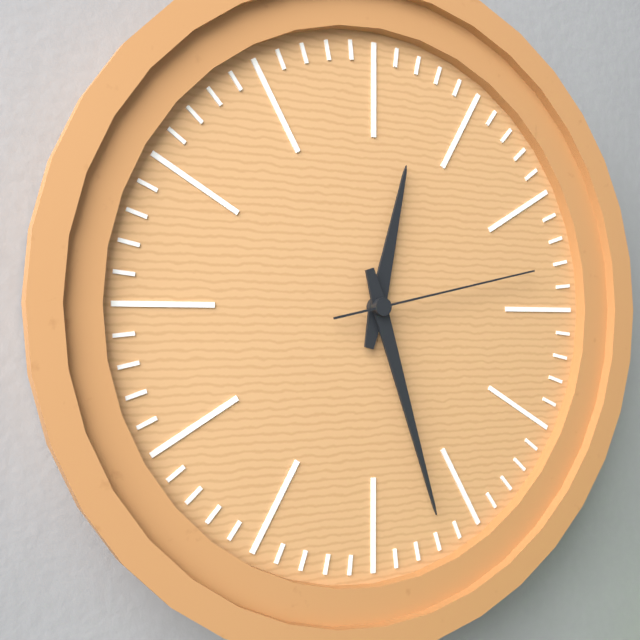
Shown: h=12 m=27 s=13
